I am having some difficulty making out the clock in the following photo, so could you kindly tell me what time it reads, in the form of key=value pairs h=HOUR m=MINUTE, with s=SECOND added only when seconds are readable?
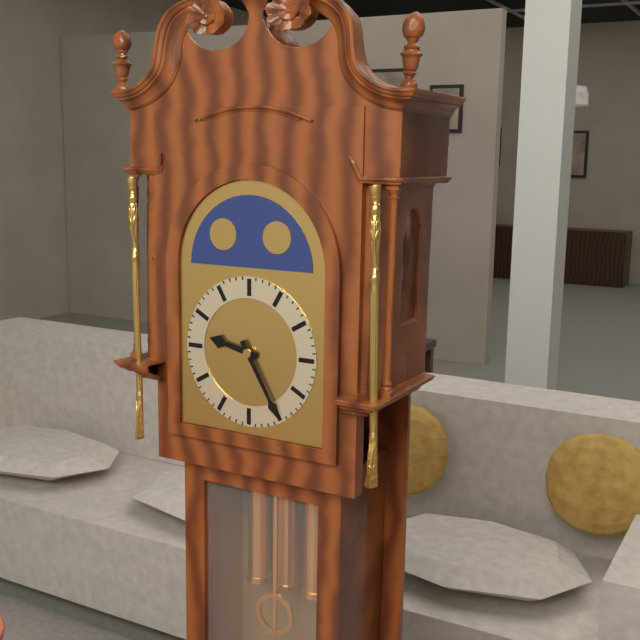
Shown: h=9 m=25
